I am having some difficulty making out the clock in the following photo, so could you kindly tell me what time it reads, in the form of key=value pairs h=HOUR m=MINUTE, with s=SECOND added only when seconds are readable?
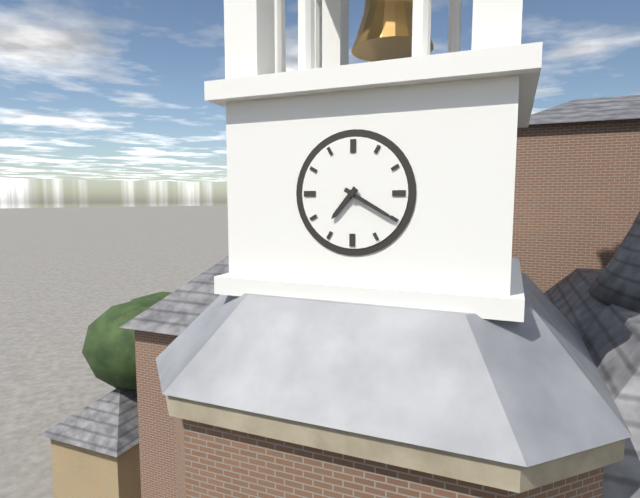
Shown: h=7 m=20
